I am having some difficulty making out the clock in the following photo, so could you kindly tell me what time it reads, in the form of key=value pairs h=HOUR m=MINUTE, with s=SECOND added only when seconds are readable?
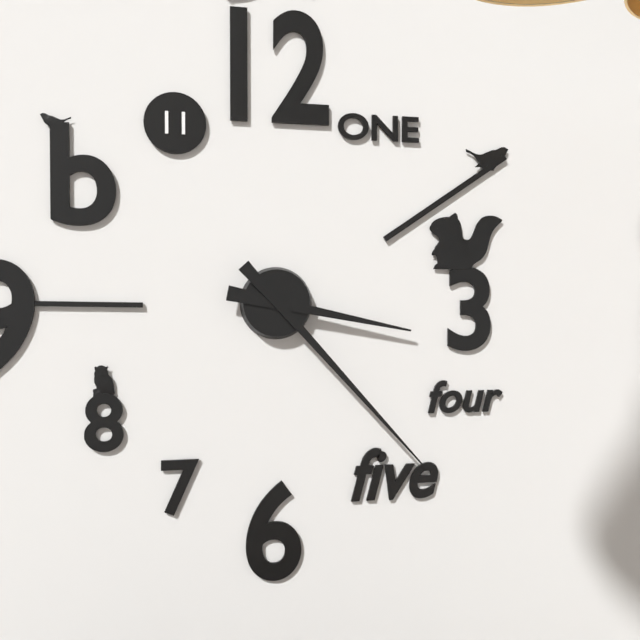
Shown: h=3 m=23
